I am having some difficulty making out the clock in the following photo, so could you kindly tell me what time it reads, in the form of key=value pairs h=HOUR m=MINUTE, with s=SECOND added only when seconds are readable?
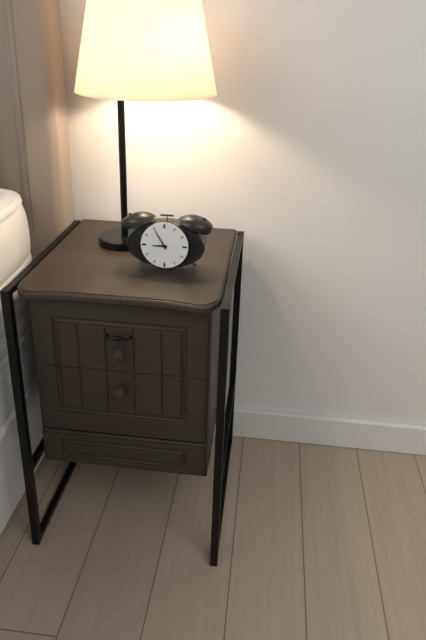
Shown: h=8 m=55
